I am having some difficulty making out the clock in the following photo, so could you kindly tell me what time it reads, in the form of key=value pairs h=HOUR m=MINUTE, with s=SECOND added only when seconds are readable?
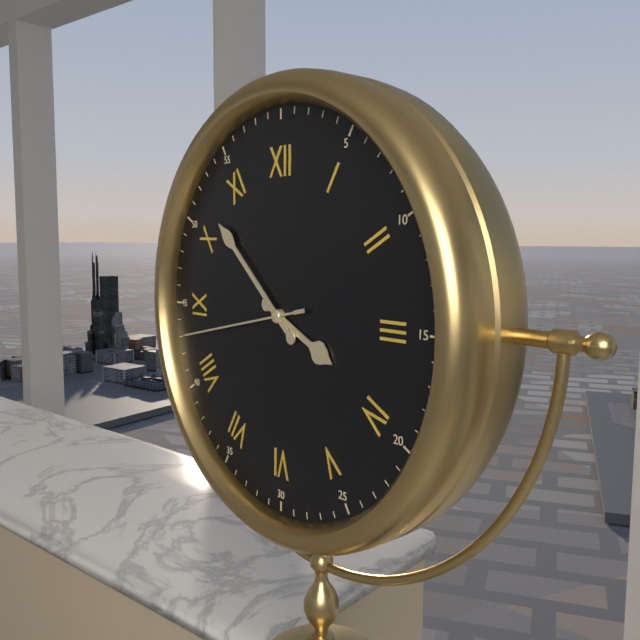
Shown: h=3 m=52 s=43
